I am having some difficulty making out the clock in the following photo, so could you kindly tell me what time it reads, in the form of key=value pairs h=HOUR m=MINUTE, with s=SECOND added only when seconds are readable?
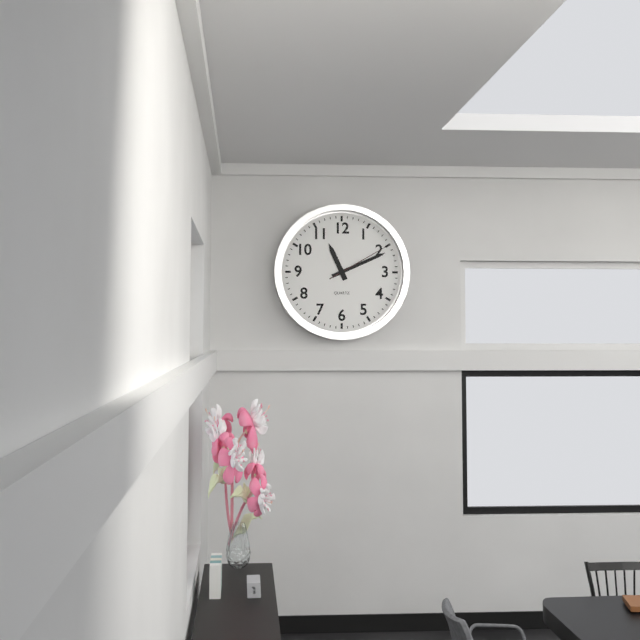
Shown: h=11 m=11 s=10
